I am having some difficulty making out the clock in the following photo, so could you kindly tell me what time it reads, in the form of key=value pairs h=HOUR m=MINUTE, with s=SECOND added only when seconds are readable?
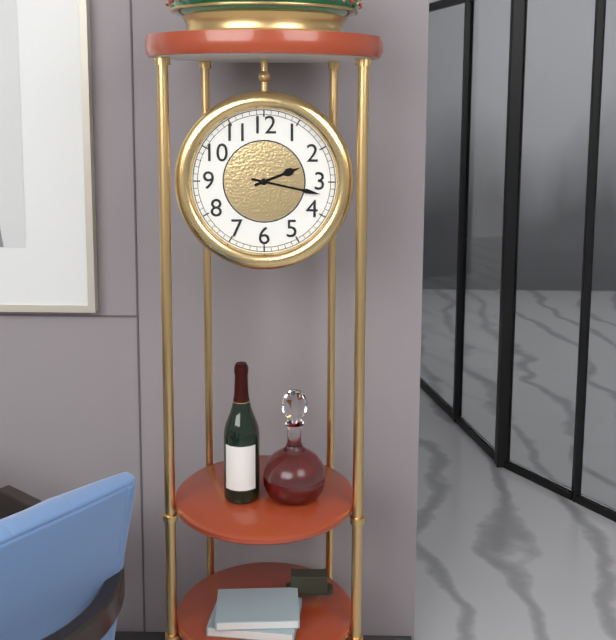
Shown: h=2 m=17
